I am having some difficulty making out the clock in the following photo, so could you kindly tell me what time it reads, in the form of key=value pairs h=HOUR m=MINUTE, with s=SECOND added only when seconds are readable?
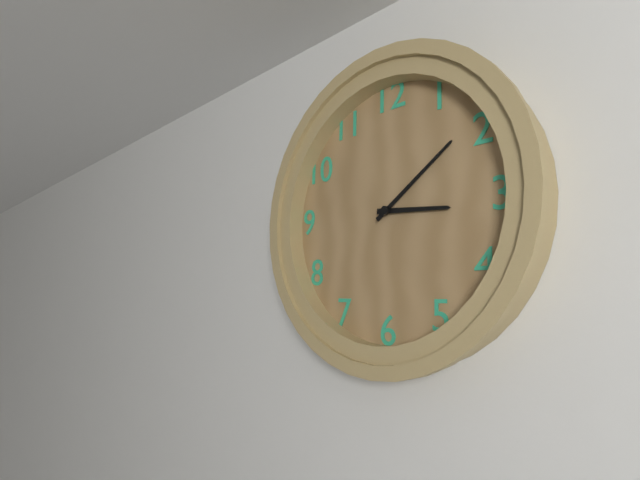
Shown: h=3 m=9
